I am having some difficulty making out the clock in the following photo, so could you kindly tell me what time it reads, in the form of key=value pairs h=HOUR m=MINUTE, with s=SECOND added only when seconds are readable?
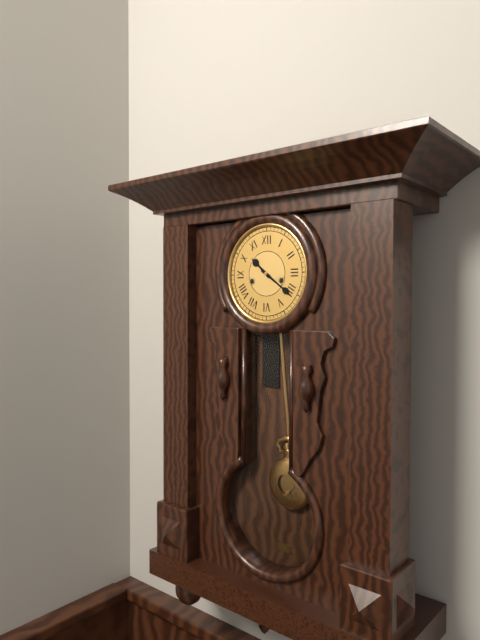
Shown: h=10 m=21
